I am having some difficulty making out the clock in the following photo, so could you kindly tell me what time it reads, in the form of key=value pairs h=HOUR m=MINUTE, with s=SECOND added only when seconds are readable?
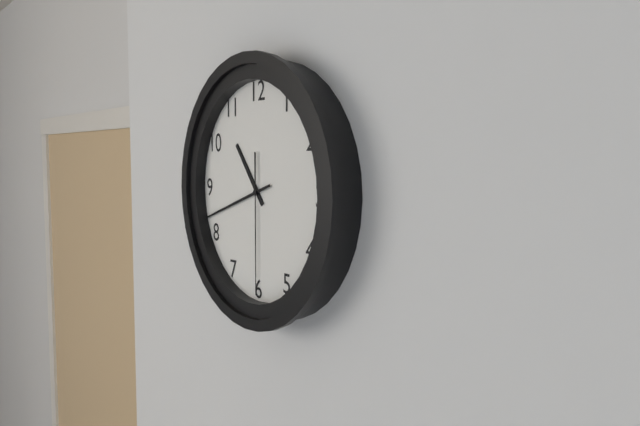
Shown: h=10 m=42 s=30
